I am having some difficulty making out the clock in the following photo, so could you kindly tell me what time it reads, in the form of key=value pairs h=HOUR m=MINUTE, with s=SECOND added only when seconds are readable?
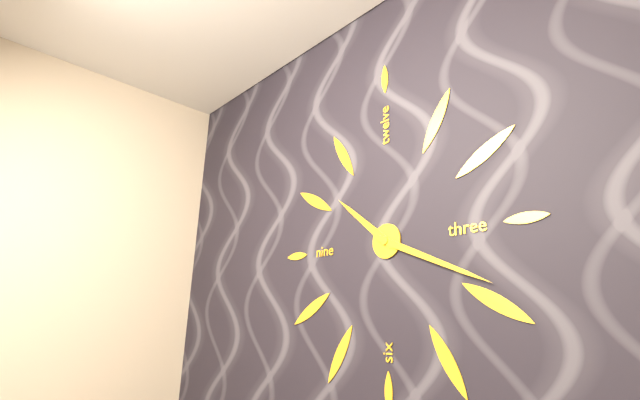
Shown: h=10 m=19
